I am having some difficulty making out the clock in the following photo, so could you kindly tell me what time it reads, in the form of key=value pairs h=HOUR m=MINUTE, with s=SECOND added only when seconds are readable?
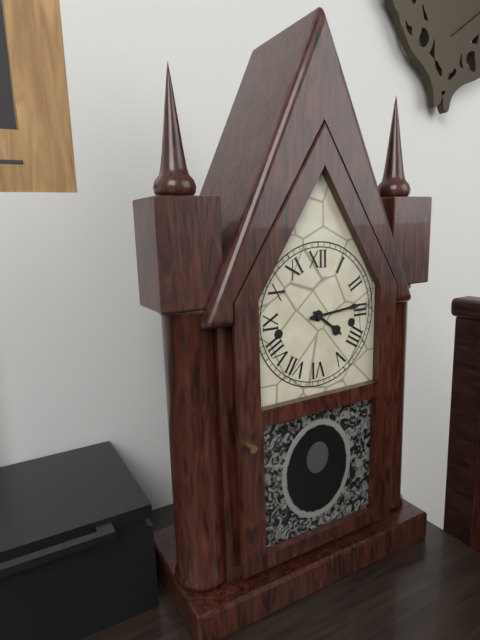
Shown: h=4 m=14
